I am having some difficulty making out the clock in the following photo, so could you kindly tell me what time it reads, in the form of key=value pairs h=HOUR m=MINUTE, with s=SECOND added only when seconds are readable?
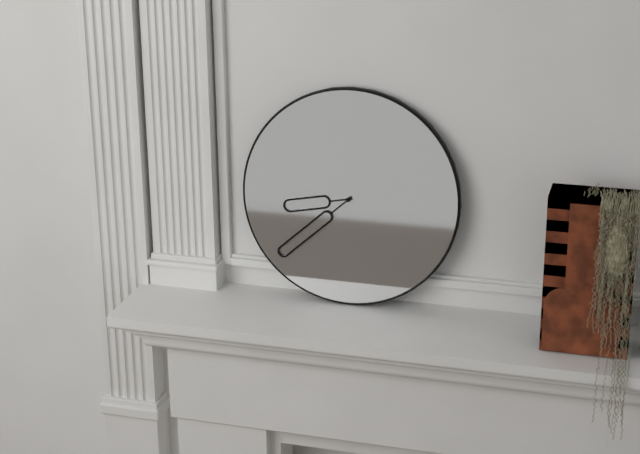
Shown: h=8 m=38
